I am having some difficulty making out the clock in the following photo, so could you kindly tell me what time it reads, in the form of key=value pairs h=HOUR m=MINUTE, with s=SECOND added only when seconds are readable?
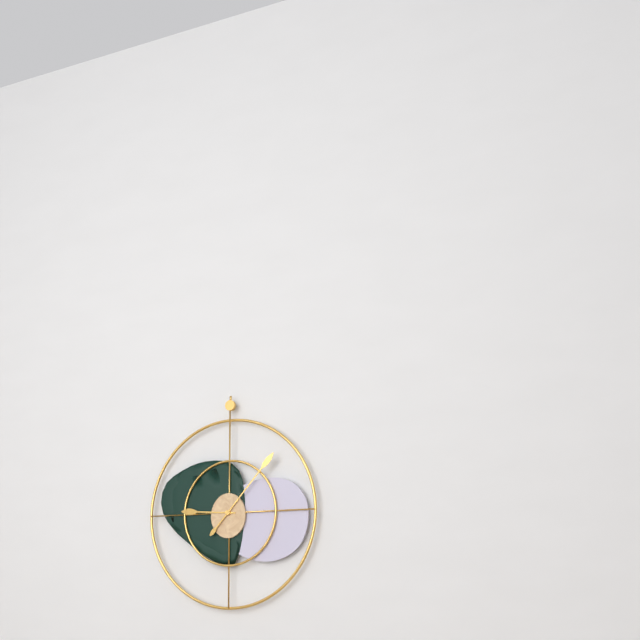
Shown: h=9 m=7
